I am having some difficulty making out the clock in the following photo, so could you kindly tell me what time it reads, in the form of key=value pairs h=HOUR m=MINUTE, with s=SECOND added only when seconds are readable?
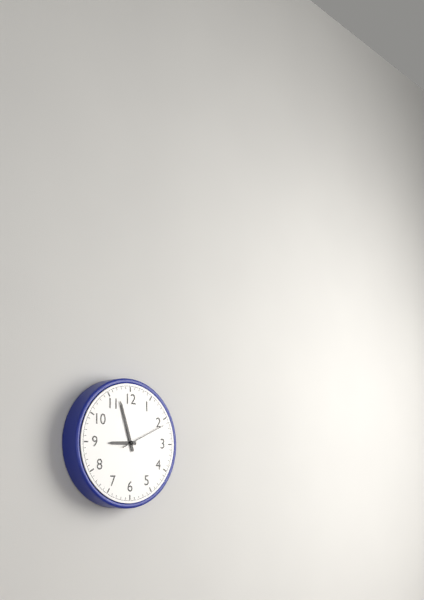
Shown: h=8 m=57
